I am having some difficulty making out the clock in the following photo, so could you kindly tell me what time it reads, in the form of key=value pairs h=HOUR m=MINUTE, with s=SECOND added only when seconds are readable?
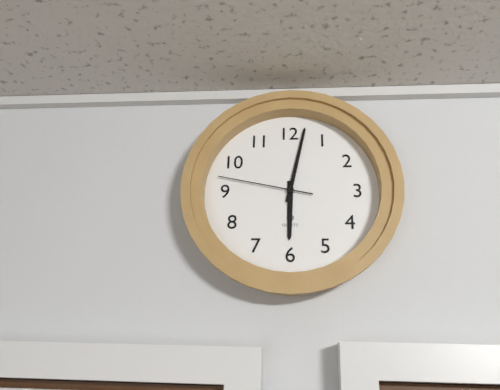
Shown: h=6 m=2 s=47
